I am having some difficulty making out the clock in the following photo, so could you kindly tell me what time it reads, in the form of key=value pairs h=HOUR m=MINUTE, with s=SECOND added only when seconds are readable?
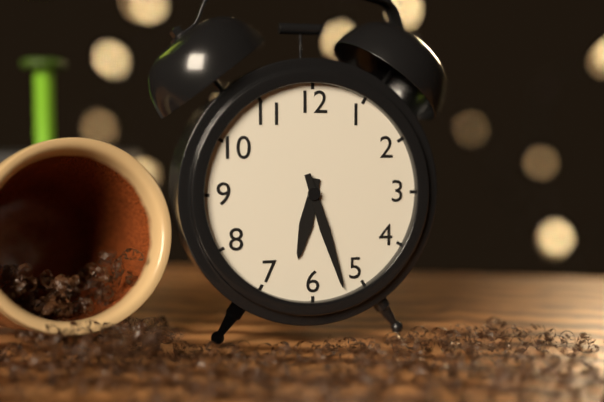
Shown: h=6 m=27
